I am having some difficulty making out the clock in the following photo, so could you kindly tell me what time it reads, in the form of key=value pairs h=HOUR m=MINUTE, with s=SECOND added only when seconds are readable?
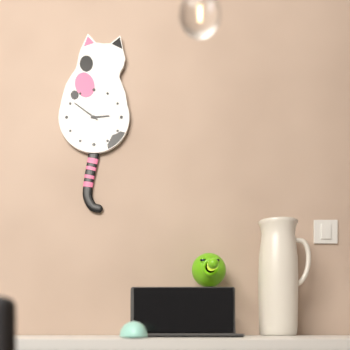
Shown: h=2 m=51
